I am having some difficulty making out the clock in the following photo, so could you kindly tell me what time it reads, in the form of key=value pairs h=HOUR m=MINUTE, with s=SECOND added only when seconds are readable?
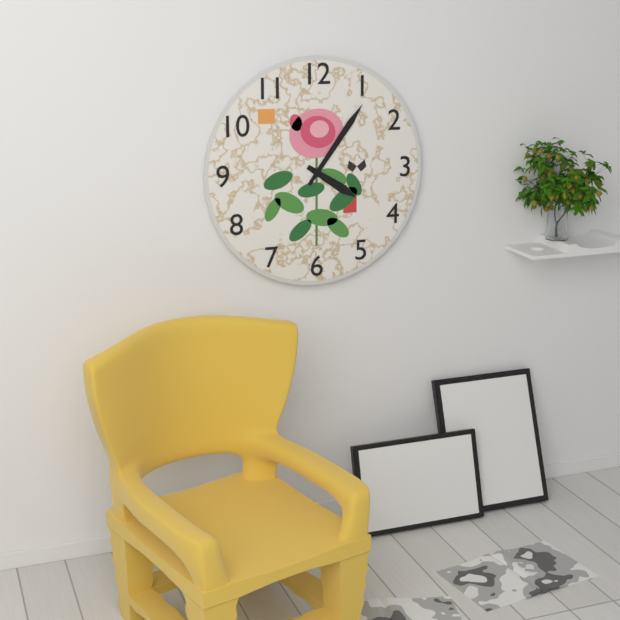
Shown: h=4 m=6
